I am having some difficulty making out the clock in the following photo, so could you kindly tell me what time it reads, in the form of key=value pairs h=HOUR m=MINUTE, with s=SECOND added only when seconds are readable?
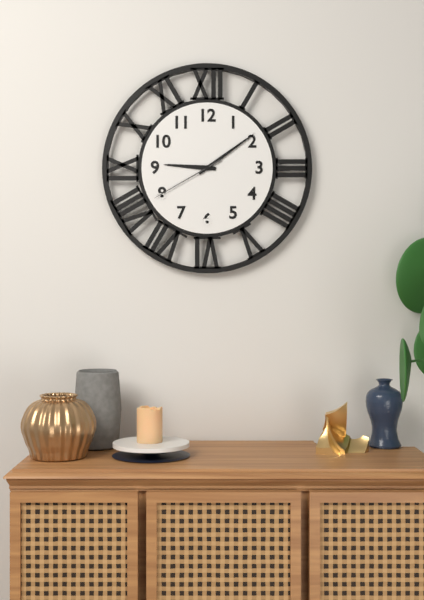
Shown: h=9 m=9 s=40
